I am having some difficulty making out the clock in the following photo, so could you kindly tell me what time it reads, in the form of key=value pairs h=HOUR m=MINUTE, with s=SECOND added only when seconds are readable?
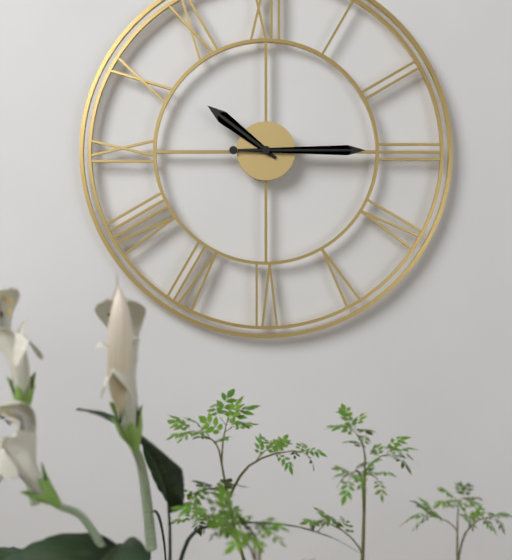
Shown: h=10 m=15
